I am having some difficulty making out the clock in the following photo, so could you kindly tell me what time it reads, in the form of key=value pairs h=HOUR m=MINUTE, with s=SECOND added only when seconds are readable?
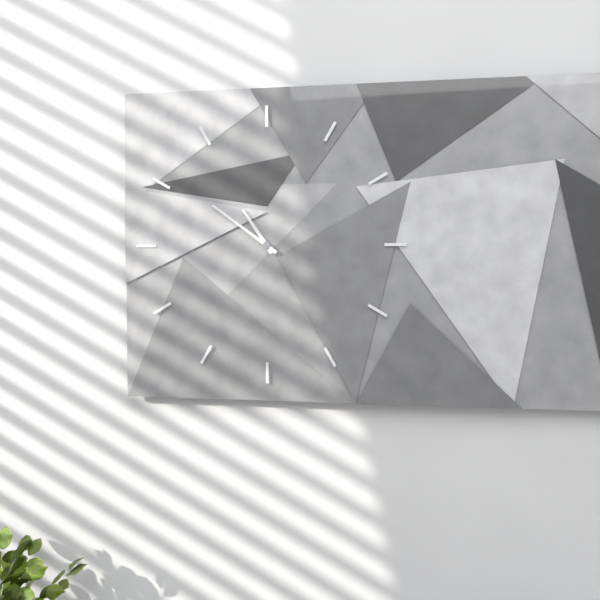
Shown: h=10 m=51
